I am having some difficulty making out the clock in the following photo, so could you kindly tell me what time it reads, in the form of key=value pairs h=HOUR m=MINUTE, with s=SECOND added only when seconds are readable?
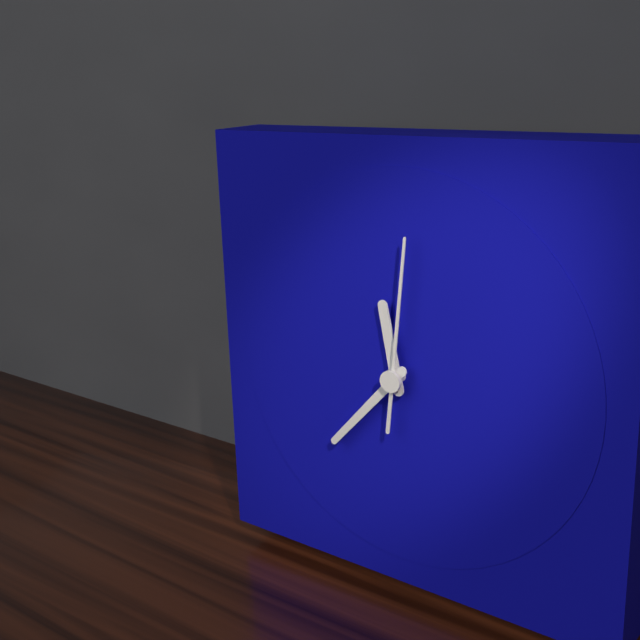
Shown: h=11 m=37 s=1
